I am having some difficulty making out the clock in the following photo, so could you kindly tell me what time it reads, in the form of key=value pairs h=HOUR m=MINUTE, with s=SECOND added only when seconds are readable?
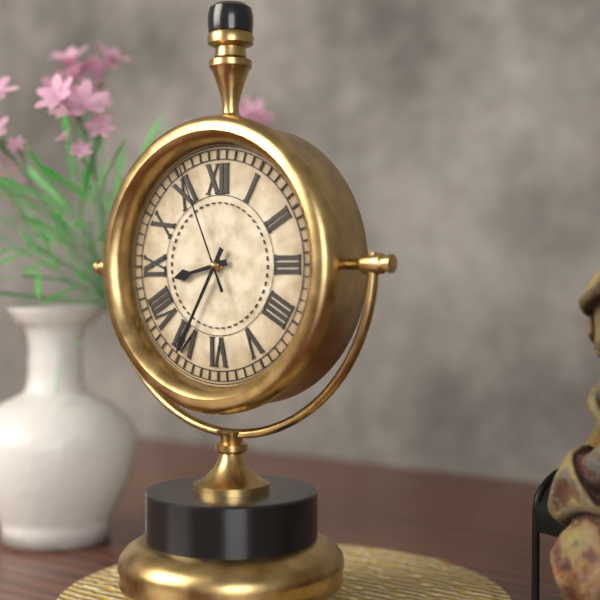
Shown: h=8 m=35 s=56
